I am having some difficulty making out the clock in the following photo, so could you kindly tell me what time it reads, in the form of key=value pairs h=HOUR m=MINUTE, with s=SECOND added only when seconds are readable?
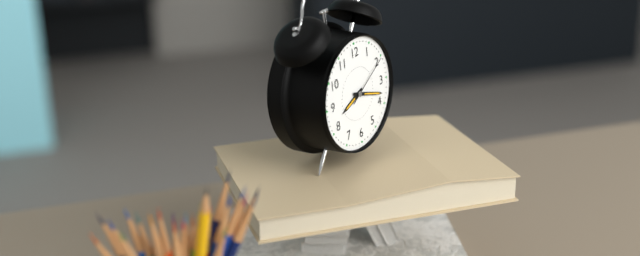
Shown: h=8 m=18 s=10
